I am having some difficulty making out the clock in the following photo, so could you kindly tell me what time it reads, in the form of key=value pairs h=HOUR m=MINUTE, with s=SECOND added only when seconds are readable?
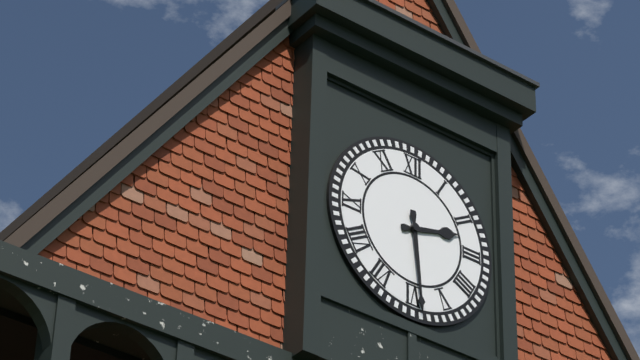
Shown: h=2 m=29
